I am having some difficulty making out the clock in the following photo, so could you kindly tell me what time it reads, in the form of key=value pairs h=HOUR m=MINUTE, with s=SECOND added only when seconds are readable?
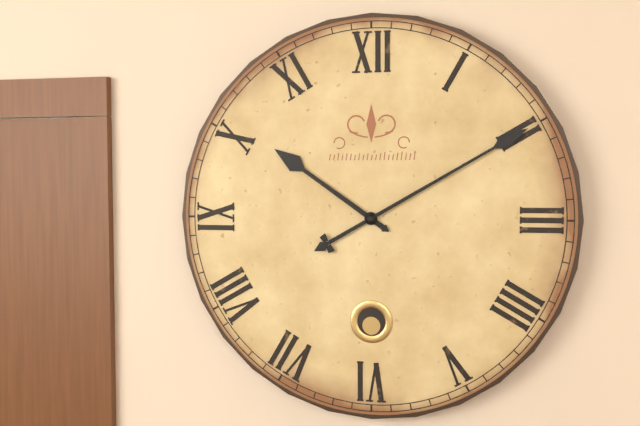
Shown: h=10 m=10
